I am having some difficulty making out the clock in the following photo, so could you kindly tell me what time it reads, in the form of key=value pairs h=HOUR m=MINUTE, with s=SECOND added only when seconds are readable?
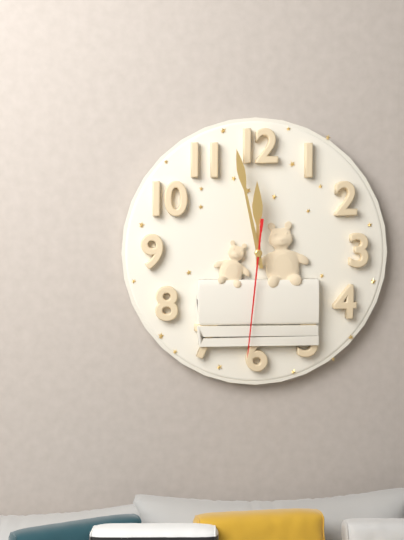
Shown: h=11 m=58 s=31
